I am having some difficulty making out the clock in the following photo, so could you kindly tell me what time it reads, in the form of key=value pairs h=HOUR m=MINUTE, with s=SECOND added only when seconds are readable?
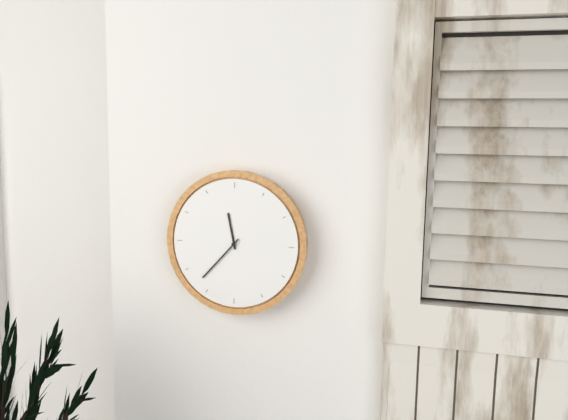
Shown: h=11 m=37
